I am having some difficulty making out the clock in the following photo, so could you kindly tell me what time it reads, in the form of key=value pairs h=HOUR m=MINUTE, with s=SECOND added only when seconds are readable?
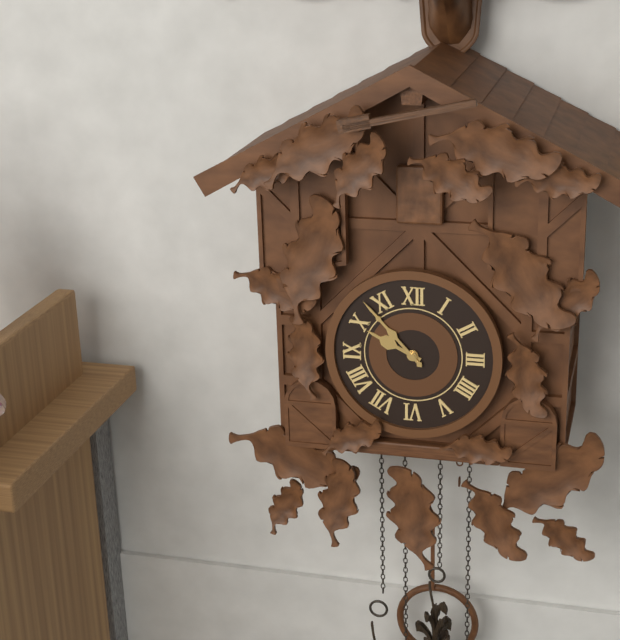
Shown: h=9 m=53
